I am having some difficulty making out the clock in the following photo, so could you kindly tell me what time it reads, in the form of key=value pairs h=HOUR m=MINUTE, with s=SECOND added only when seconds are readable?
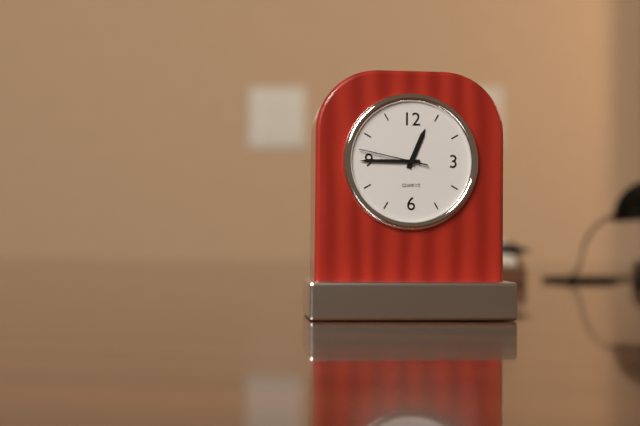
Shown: h=12 m=45 s=47
